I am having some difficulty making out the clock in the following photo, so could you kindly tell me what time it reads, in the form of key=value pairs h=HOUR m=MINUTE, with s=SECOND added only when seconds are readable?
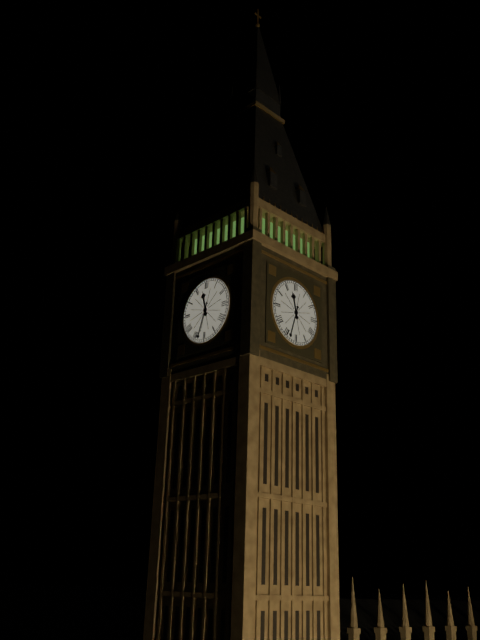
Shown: h=11 m=33
